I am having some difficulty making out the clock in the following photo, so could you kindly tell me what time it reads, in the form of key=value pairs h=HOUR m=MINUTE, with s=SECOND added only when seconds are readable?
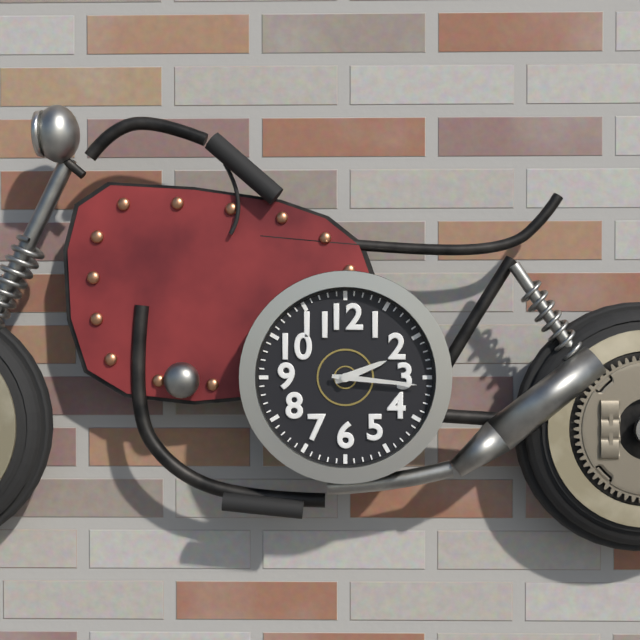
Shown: h=2 m=16
